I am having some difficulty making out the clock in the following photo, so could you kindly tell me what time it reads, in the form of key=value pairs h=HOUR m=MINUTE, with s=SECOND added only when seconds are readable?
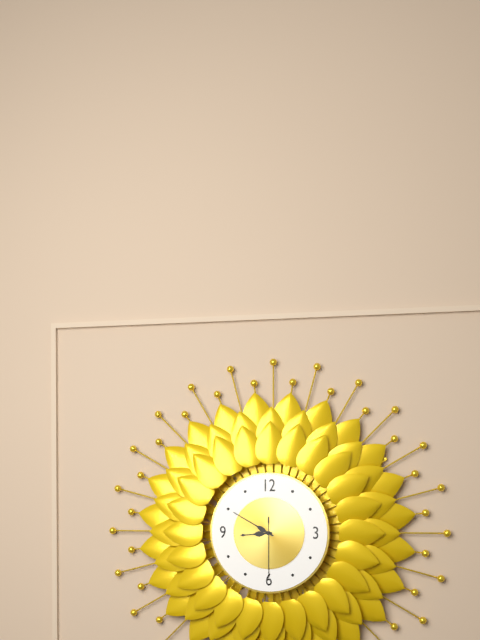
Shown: h=8 m=50 s=30
